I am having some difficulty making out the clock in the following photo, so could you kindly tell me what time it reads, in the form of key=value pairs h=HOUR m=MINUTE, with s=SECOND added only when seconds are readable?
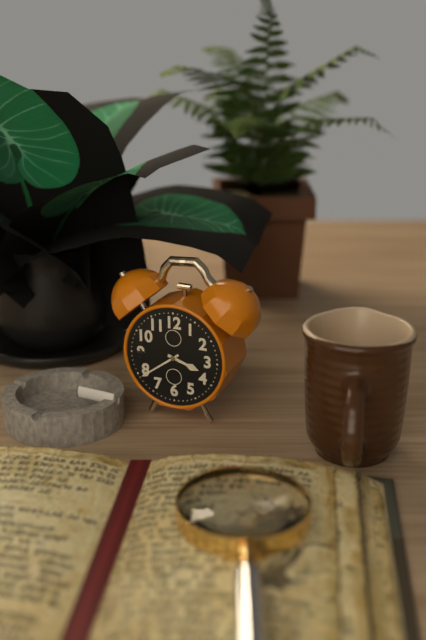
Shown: h=3 m=39
